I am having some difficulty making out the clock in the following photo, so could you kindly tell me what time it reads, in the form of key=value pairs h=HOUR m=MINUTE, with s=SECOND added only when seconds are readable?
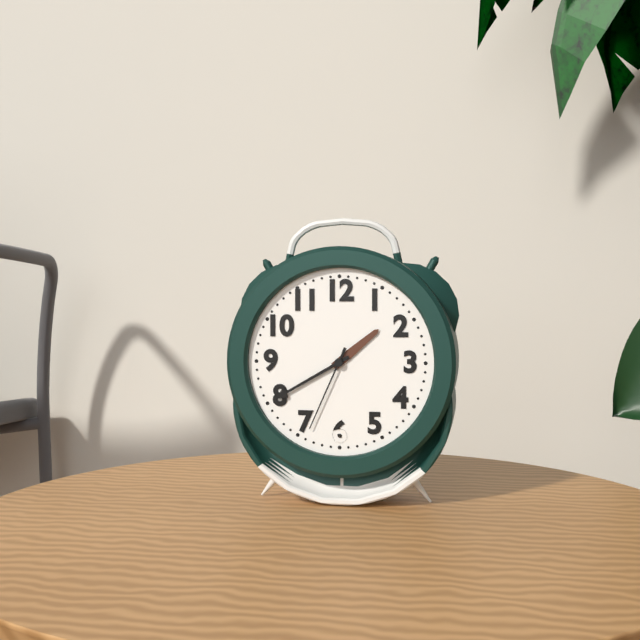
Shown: h=1 m=40 s=34
